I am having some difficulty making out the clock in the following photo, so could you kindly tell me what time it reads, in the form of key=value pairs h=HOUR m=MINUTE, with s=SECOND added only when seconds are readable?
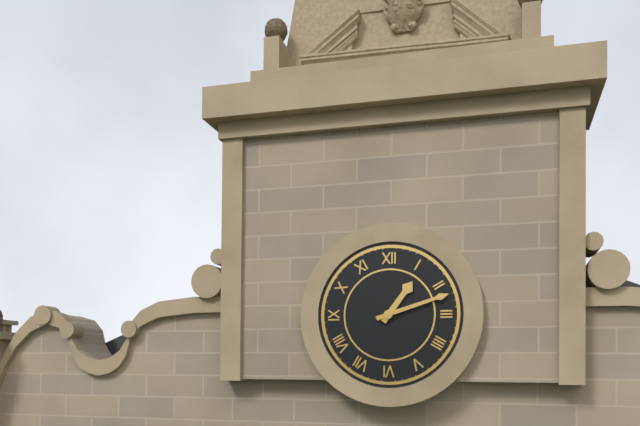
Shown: h=1 m=12
